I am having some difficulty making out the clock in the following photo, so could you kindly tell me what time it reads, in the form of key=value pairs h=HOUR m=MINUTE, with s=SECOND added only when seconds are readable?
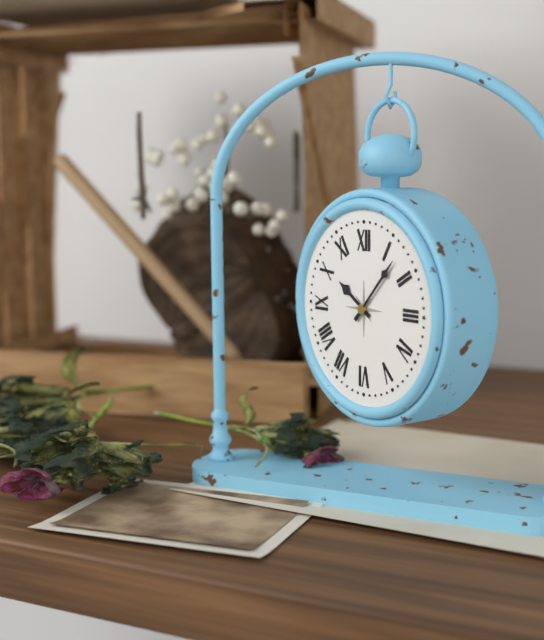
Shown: h=10 m=7
